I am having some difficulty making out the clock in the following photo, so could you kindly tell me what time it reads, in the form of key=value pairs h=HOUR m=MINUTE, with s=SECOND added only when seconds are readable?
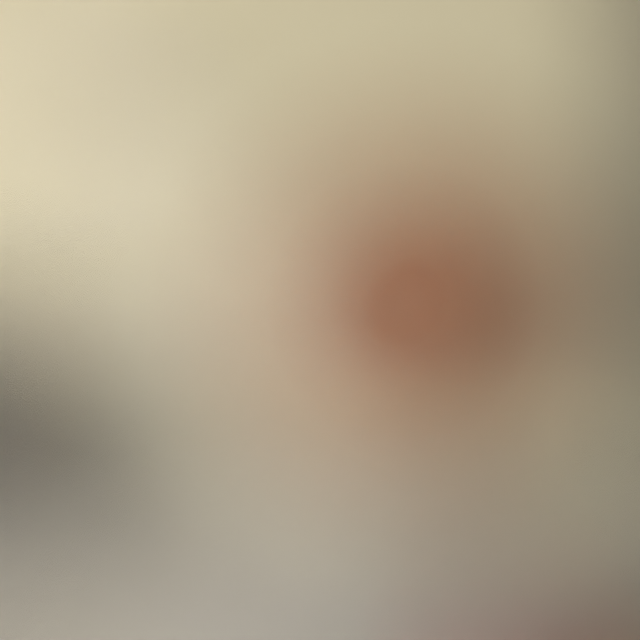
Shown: h=9 m=49
